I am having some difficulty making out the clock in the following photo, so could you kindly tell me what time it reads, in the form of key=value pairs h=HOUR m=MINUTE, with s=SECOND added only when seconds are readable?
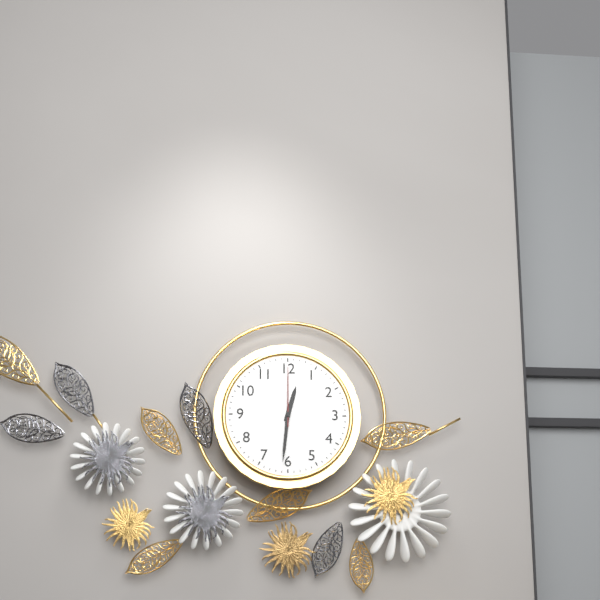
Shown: h=12 m=31 s=0
